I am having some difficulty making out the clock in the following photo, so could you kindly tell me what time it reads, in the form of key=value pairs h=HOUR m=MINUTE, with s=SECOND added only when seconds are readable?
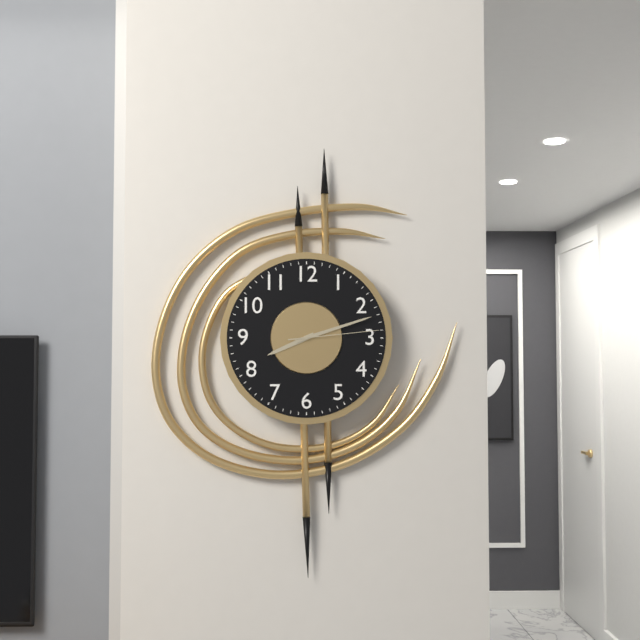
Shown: h=8 m=12 s=14
